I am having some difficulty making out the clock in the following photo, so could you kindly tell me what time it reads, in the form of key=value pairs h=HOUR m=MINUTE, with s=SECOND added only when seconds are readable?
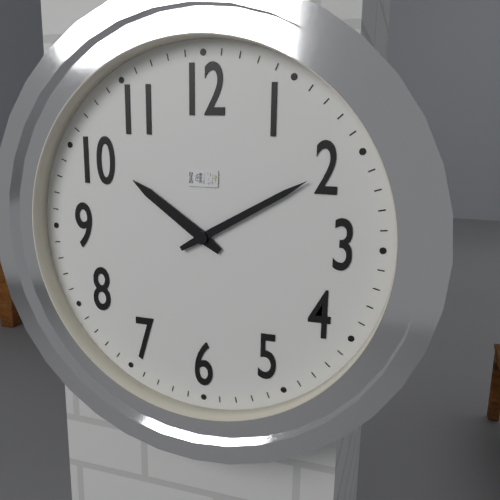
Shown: h=10 m=10
